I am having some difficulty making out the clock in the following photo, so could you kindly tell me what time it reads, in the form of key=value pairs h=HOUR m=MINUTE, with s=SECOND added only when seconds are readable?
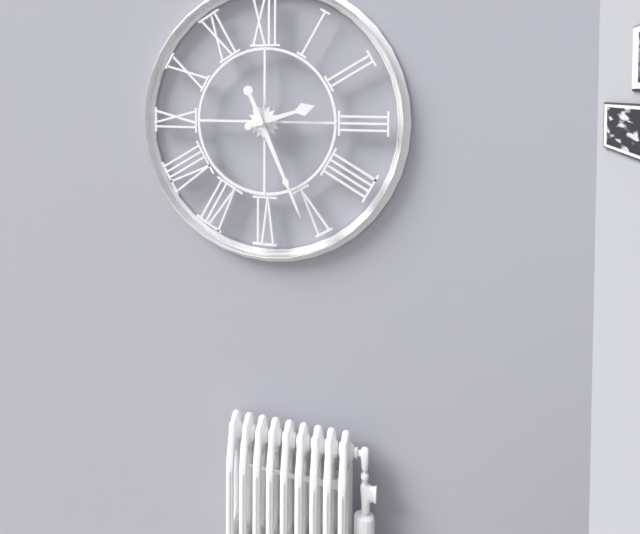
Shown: h=2 m=26
